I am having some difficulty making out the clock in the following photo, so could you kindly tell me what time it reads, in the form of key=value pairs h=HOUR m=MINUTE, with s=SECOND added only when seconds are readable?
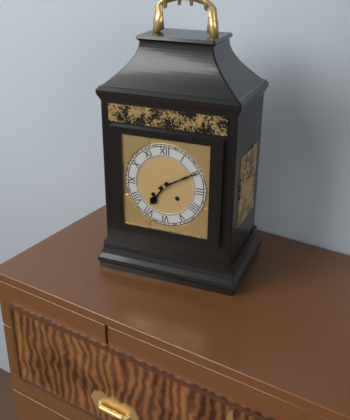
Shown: h=7 m=10
